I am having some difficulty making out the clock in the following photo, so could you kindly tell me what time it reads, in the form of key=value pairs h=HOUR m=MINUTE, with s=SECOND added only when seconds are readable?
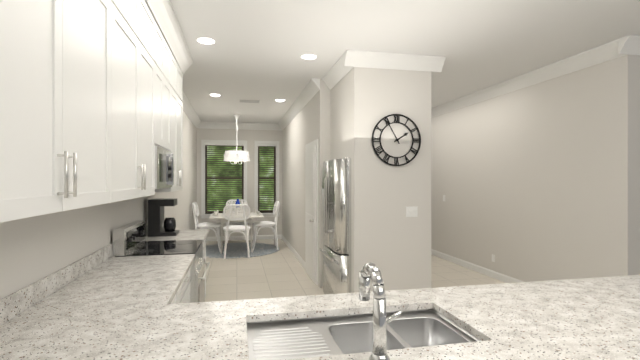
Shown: h=1 m=55
